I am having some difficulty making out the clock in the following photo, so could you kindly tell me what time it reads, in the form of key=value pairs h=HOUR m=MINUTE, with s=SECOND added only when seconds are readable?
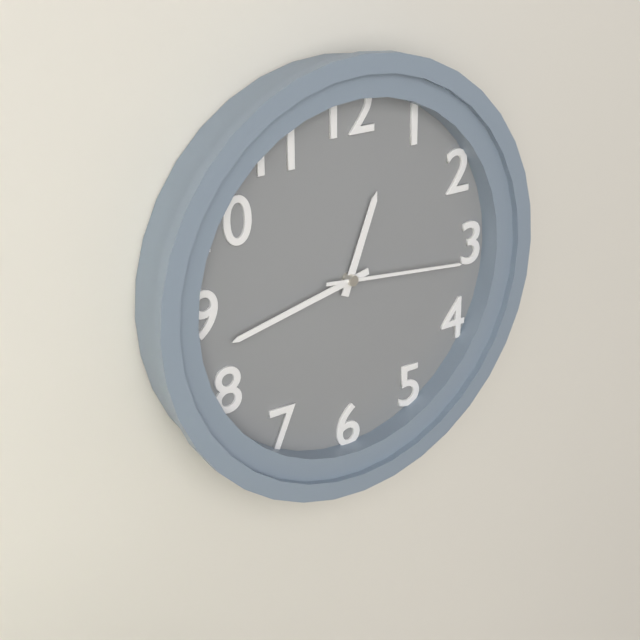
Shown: h=12 m=43 s=16
